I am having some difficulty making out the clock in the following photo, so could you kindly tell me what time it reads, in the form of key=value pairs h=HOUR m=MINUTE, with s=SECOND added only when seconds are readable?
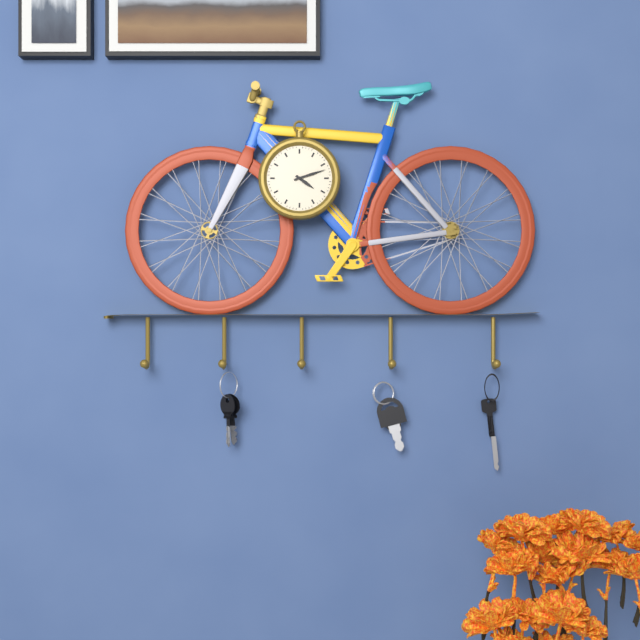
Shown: h=4 m=12
